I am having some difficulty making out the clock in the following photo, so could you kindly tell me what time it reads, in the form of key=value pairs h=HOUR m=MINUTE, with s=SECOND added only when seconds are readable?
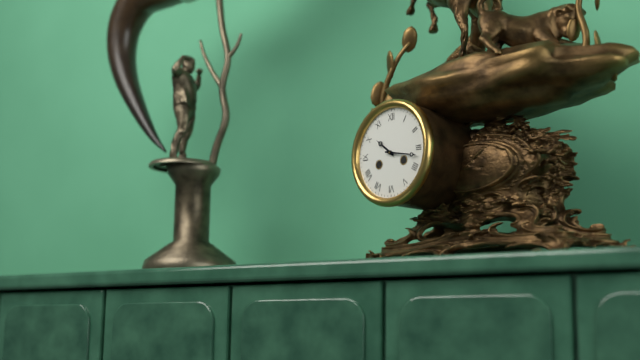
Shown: h=10 m=17
